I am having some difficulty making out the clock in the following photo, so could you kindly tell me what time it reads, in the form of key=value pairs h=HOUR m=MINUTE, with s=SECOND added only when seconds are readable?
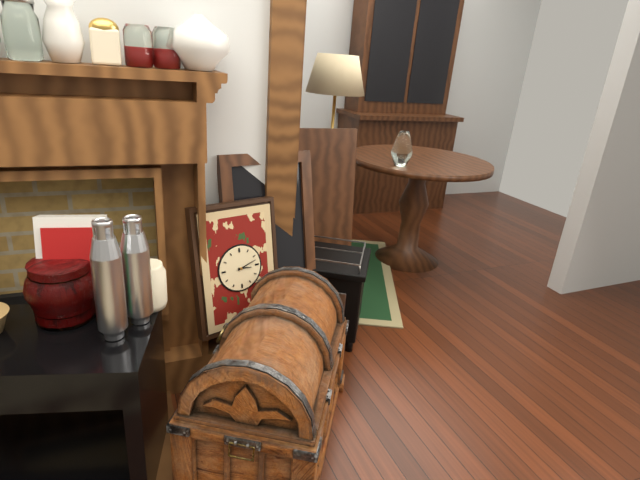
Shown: h=3 m=12
